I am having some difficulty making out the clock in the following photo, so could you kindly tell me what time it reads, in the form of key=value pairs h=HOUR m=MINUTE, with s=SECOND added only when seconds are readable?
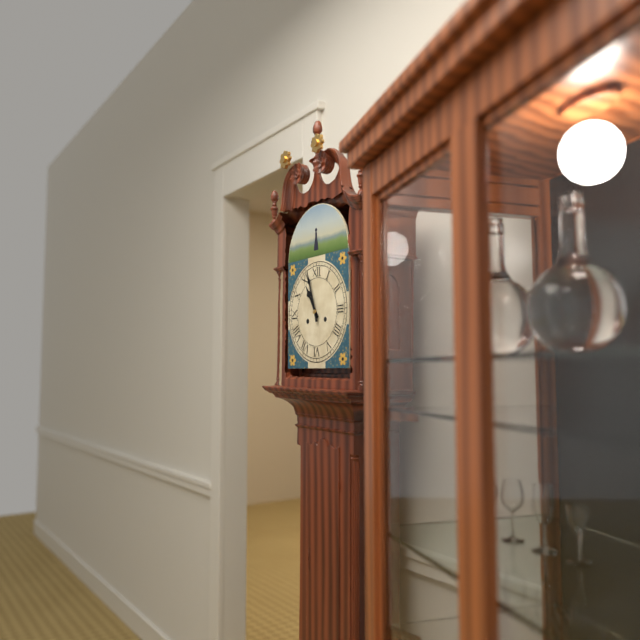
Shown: h=10 m=57
